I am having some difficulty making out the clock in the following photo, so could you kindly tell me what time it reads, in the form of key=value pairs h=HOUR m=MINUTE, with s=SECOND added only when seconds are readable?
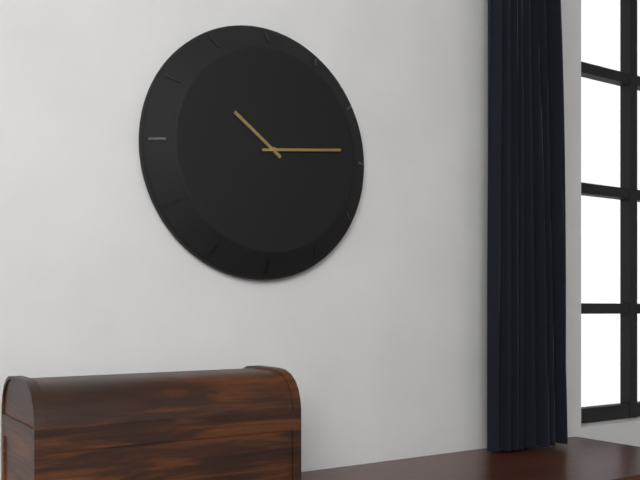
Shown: h=10 m=14
